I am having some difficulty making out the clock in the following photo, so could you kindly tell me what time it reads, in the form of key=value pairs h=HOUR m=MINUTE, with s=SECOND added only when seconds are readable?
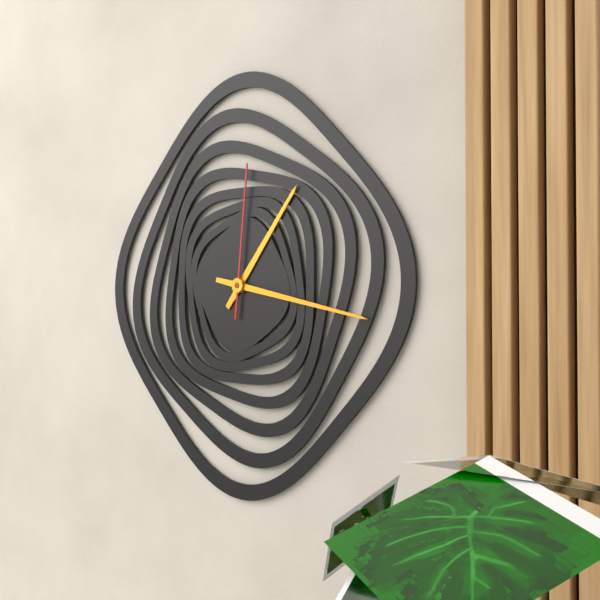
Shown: h=1 m=17 s=1
